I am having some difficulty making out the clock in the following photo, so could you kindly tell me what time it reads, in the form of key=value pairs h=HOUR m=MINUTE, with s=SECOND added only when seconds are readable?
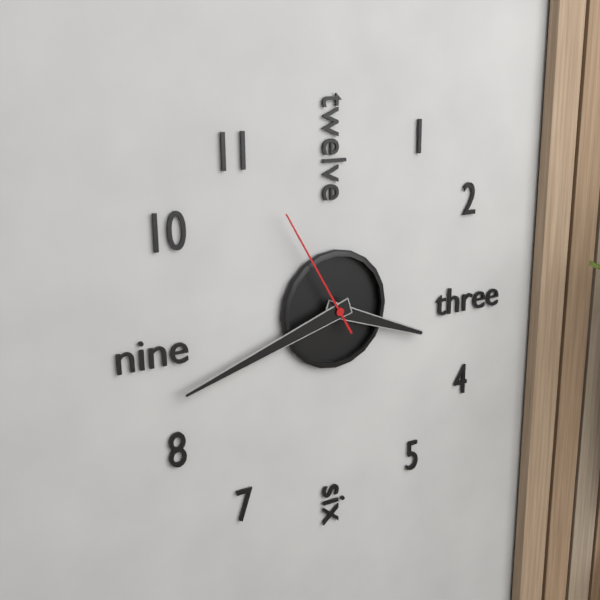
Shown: h=3 m=42 s=55
